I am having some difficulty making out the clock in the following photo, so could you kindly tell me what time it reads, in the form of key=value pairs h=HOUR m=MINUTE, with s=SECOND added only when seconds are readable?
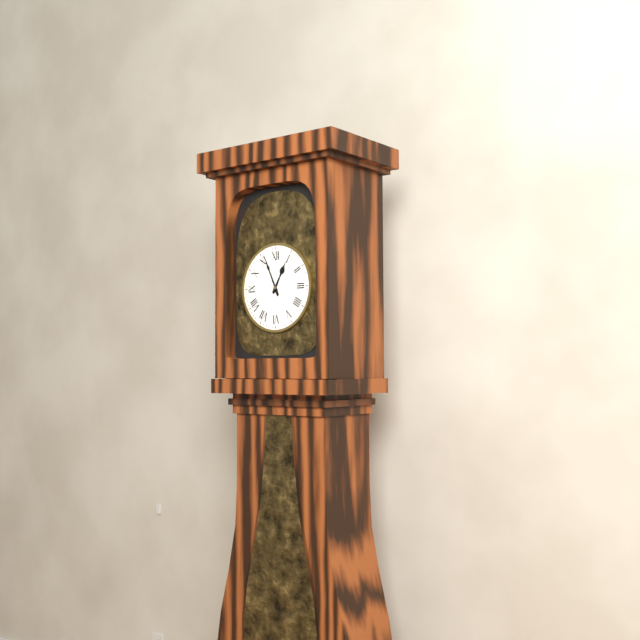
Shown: h=12 m=56
